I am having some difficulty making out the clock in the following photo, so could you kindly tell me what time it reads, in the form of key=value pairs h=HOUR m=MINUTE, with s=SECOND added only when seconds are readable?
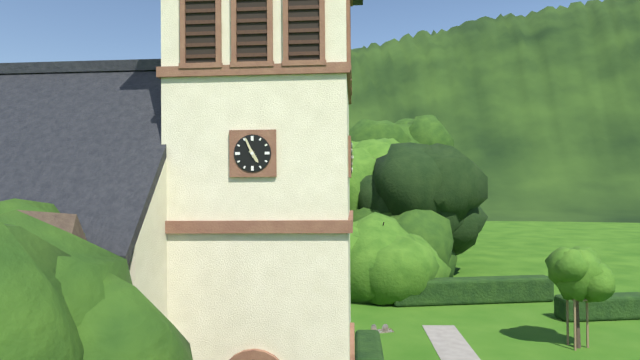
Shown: h=4 m=56
